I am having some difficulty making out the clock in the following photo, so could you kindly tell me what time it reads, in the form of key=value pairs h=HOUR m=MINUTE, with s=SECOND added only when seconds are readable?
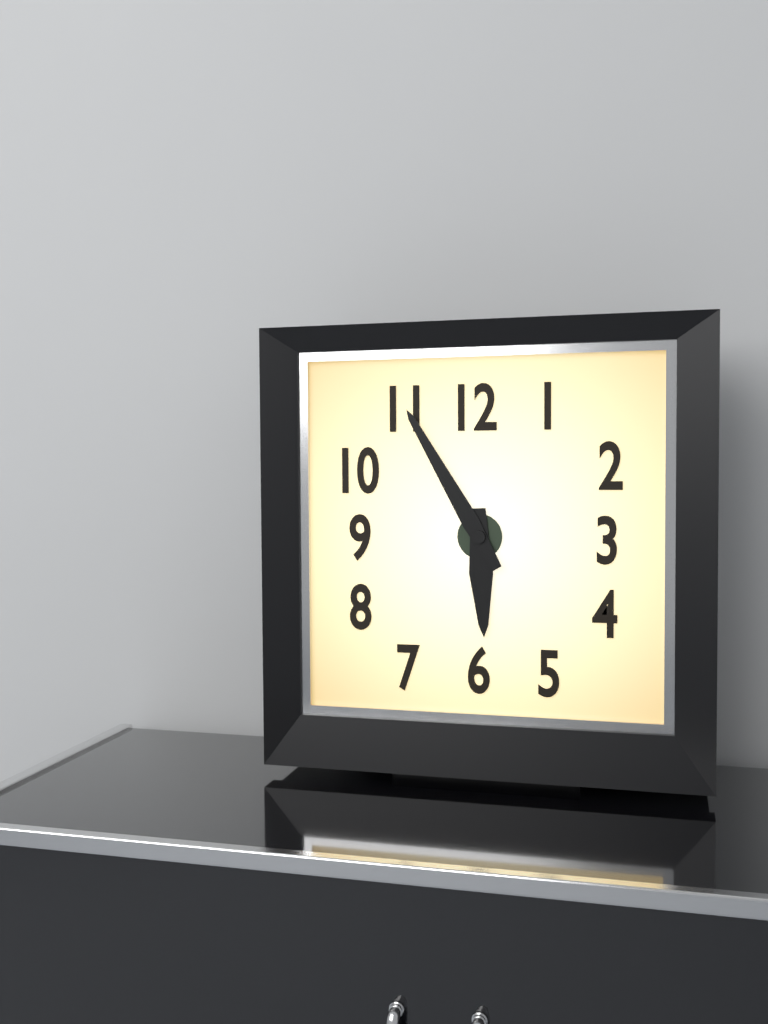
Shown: h=5 m=55
